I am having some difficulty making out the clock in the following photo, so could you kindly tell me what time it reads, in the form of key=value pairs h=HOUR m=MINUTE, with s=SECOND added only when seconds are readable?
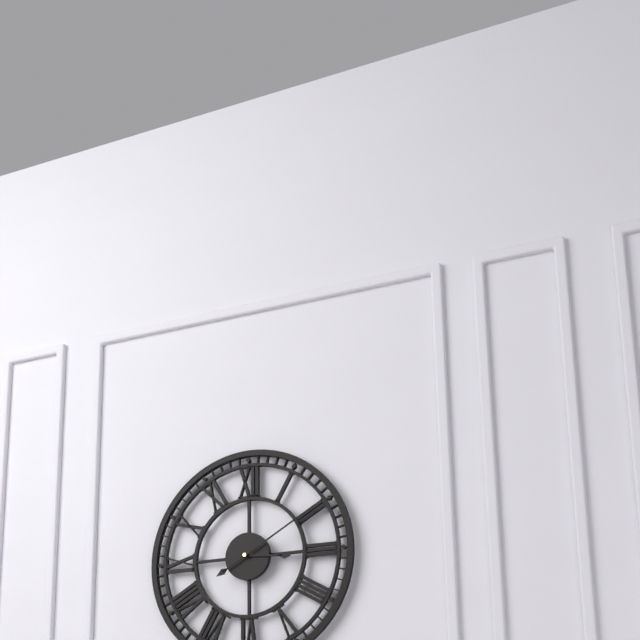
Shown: h=3 m=10
